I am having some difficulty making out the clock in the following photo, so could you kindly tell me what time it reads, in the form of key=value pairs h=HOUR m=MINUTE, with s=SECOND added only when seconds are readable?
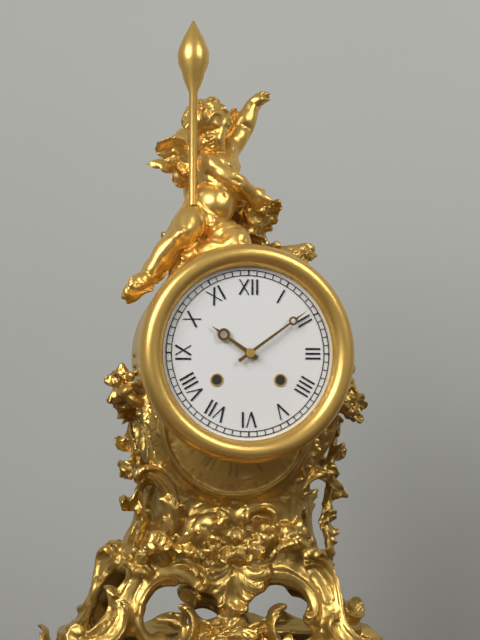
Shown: h=10 m=9
